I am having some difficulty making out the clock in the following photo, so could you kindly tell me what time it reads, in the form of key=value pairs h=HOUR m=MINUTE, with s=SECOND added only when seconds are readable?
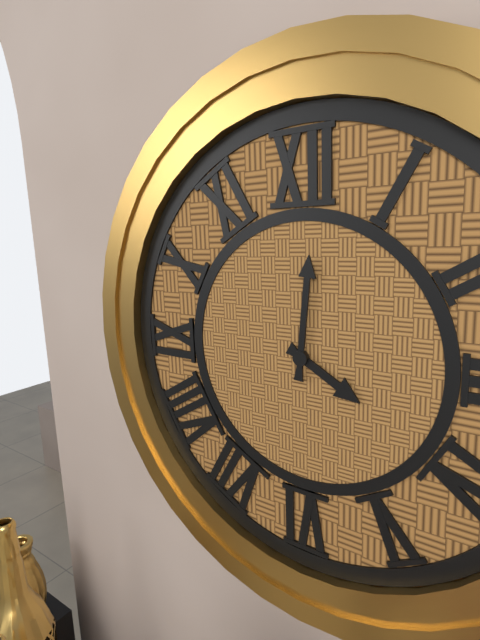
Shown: h=4 m=1
